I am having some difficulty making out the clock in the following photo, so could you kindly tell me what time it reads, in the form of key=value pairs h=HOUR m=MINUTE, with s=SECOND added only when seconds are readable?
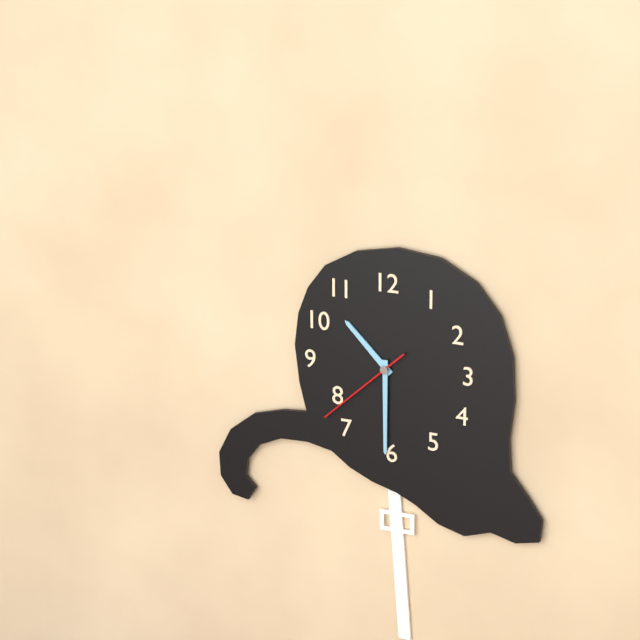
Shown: h=10 m=30 s=38
